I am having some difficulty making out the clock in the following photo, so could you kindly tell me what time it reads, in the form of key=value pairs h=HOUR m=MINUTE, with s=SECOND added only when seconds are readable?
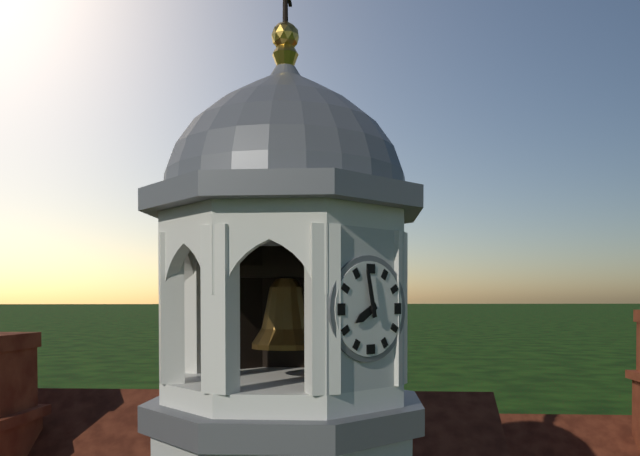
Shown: h=7 m=58
